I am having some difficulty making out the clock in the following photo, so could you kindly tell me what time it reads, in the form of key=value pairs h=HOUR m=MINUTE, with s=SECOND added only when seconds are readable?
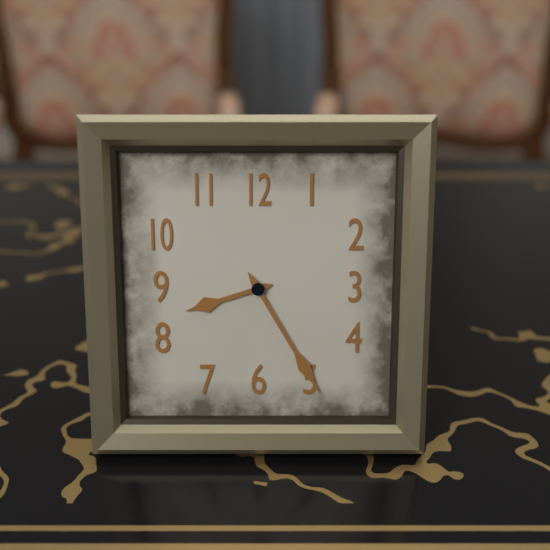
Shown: h=8 m=25
